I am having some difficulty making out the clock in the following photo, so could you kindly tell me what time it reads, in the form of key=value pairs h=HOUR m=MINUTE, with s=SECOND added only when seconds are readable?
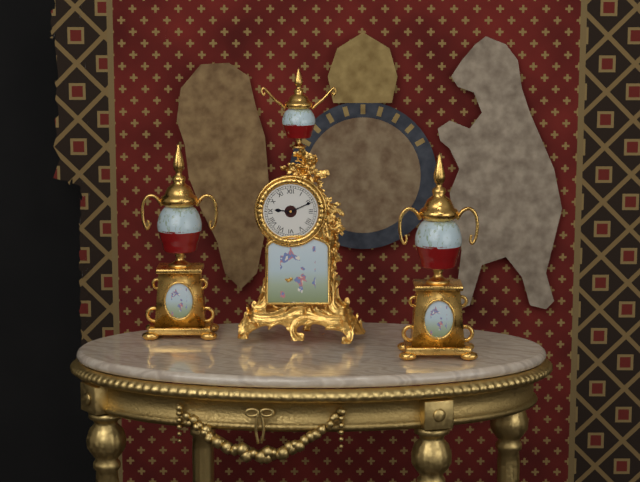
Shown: h=9 m=11
